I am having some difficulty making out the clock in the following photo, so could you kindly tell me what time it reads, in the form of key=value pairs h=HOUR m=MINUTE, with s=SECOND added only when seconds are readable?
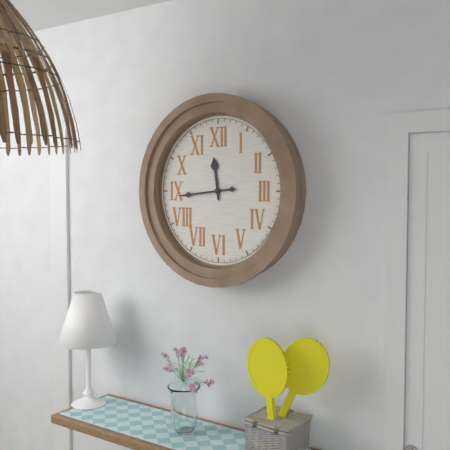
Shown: h=11 m=44
